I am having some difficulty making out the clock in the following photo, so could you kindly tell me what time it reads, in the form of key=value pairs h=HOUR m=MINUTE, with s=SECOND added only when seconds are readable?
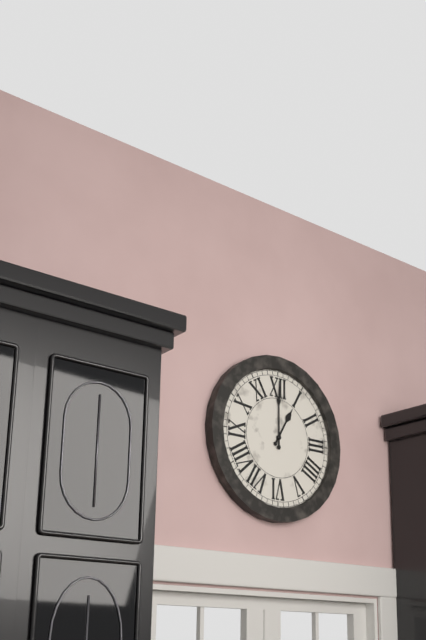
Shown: h=1 m=0
